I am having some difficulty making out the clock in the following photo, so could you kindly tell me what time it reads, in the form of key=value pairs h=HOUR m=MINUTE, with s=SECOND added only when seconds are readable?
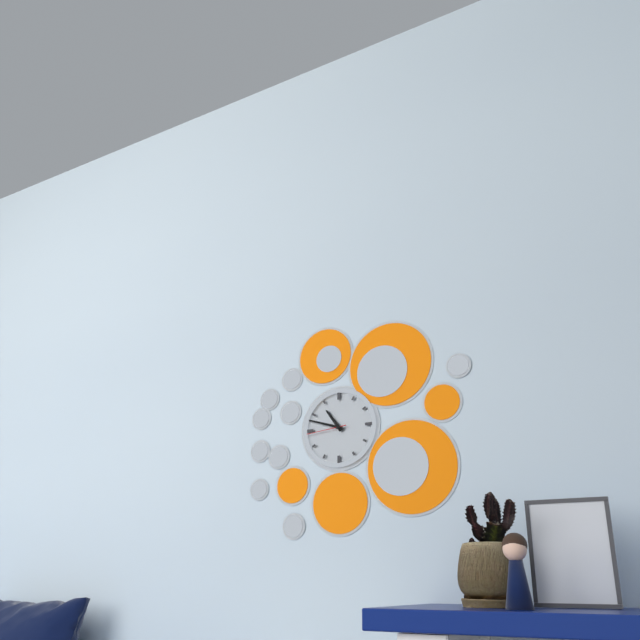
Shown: h=10 m=48
